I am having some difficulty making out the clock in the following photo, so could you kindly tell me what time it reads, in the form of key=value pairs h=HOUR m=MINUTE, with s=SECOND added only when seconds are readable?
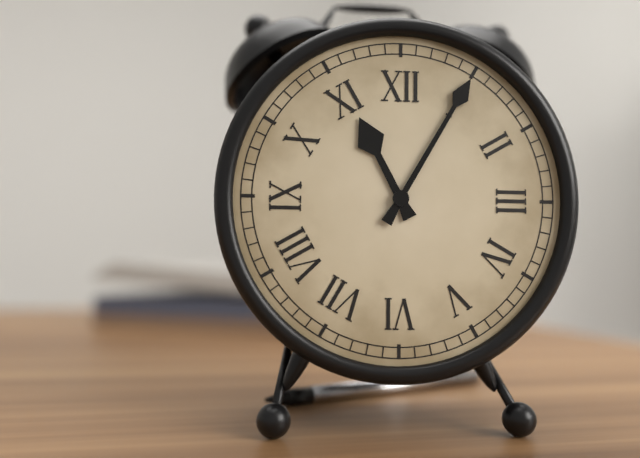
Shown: h=11 m=5
